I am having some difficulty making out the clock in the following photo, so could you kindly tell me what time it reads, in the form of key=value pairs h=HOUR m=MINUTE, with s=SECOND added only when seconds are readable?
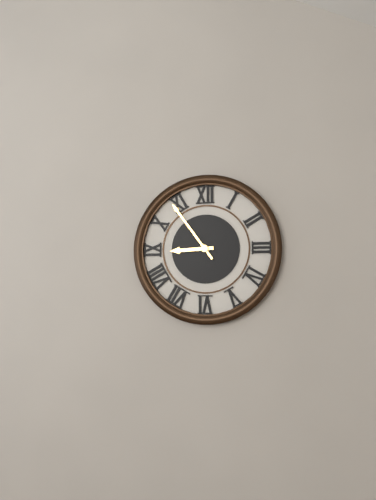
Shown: h=8 m=54
